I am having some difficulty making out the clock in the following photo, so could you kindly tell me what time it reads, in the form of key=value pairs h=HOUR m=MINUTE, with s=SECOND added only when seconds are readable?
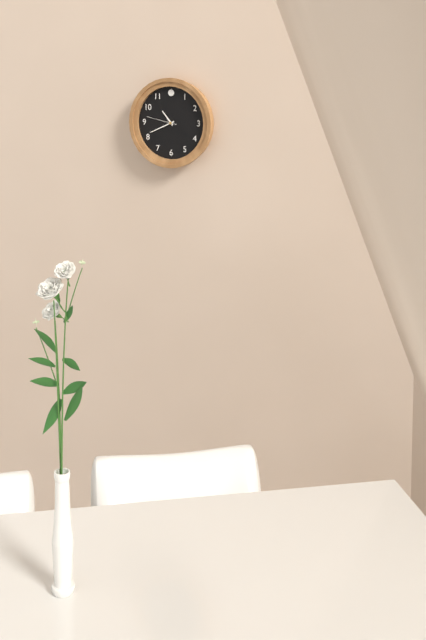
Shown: h=10 m=41
